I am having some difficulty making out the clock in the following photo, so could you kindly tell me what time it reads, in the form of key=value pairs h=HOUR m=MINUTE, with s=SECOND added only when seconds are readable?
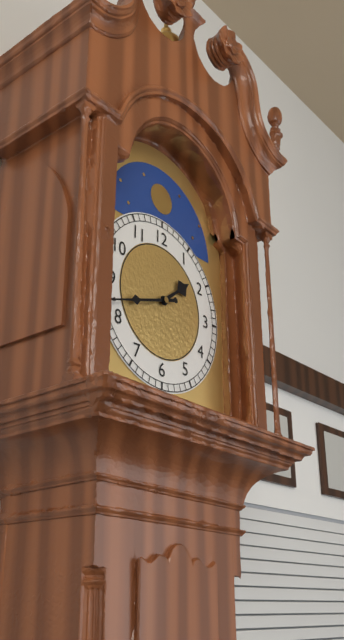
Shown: h=1 m=42
